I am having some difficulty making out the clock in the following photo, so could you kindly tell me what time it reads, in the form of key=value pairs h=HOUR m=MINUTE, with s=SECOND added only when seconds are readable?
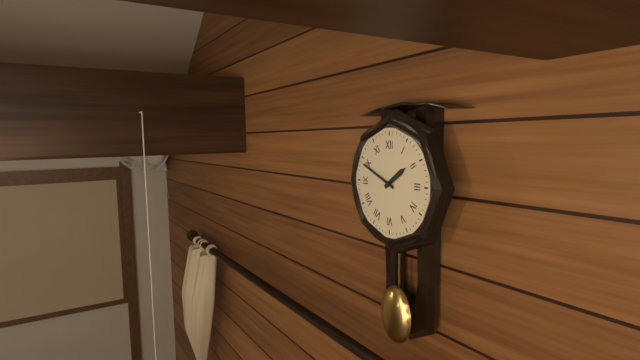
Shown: h=1 m=49
